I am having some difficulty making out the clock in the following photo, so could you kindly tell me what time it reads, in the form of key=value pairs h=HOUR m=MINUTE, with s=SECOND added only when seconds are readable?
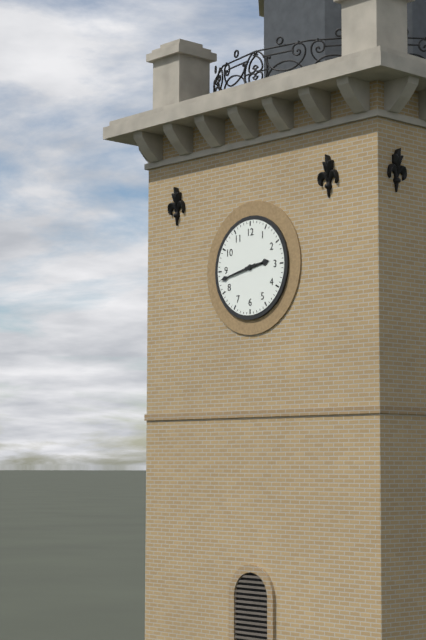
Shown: h=2 m=43
